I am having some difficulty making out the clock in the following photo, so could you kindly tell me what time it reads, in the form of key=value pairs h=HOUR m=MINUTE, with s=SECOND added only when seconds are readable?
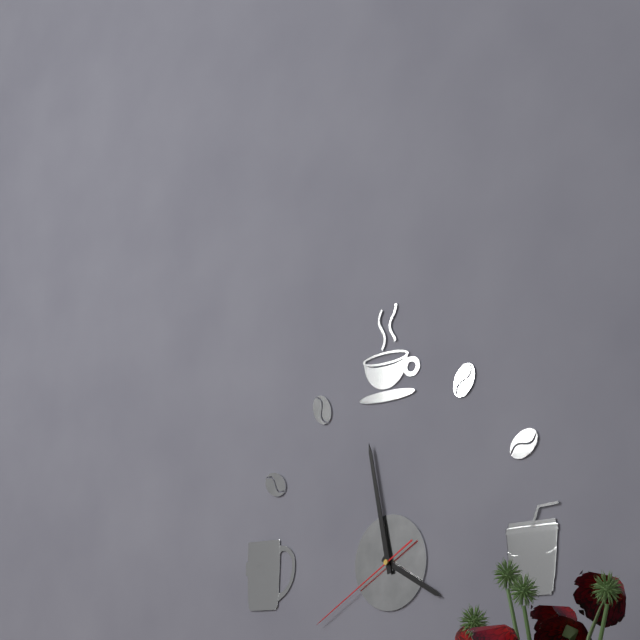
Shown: h=3 m=58 s=40
